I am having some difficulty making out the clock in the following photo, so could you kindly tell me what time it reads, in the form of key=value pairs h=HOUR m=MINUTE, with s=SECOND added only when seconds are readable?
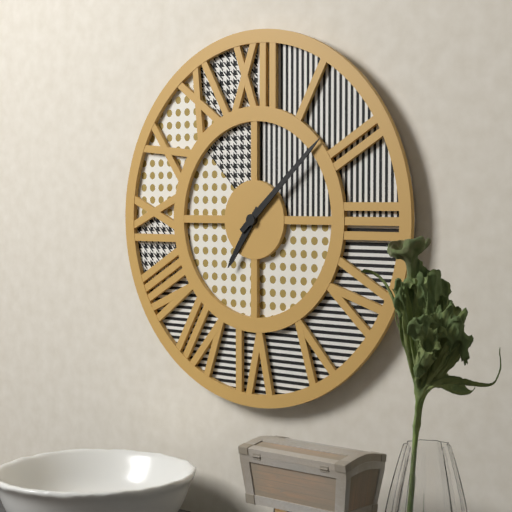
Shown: h=7 m=8
